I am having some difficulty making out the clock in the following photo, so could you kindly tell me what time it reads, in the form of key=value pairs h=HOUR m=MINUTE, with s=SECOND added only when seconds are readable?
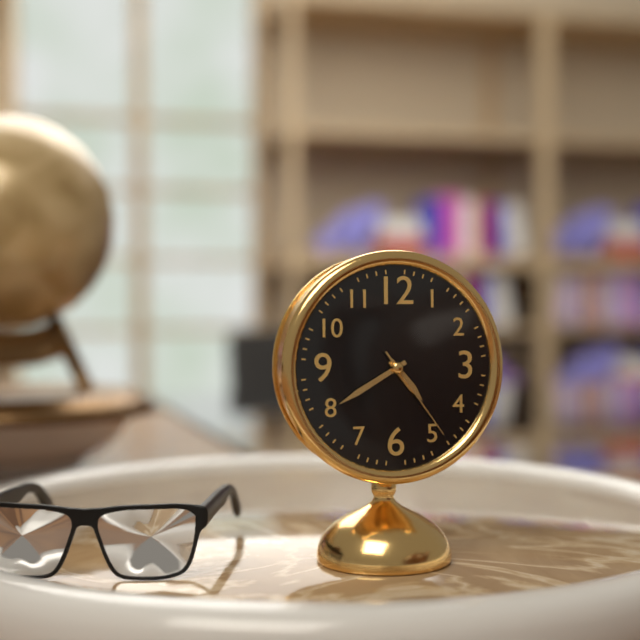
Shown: h=4 m=40 s=24
